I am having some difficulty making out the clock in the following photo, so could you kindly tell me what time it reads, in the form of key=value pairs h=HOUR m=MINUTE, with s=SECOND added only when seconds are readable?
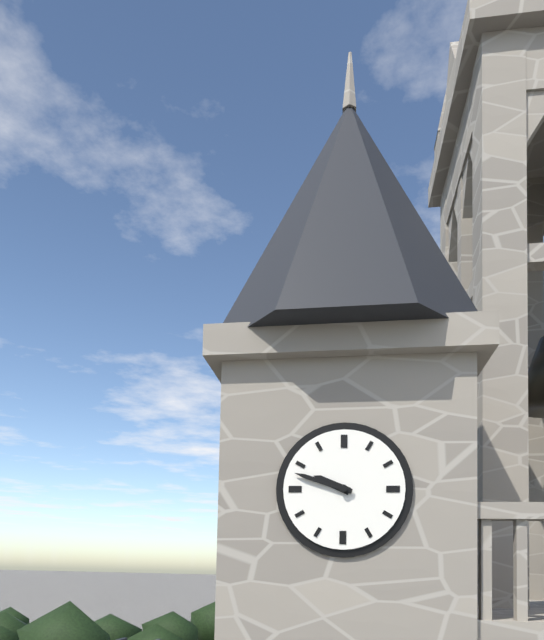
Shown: h=9 m=48
